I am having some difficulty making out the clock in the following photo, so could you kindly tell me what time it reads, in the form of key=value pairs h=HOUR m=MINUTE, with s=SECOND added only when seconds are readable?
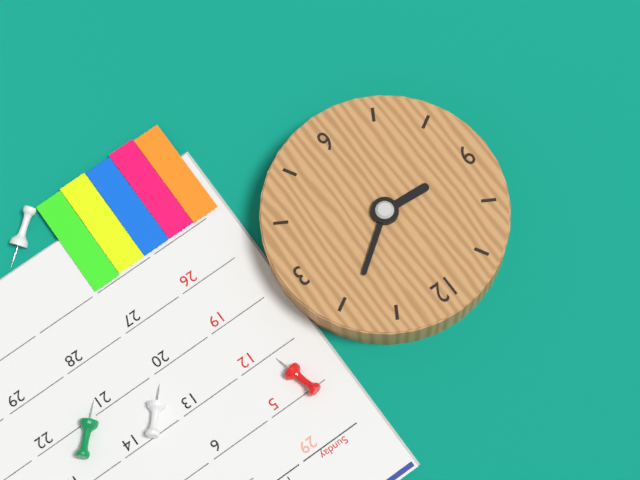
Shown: h=9 m=9
